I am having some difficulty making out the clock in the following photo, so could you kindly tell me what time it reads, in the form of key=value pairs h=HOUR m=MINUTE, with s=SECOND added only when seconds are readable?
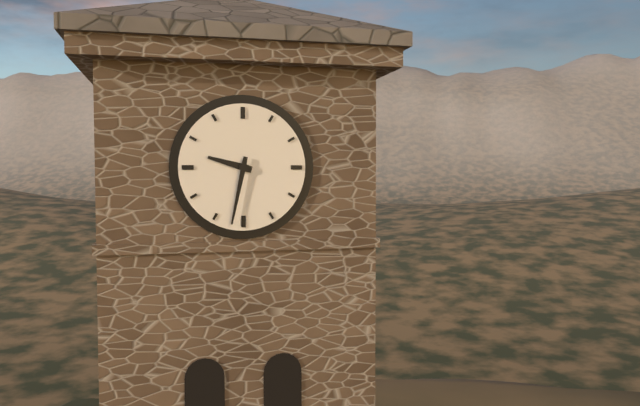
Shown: h=9 m=32
